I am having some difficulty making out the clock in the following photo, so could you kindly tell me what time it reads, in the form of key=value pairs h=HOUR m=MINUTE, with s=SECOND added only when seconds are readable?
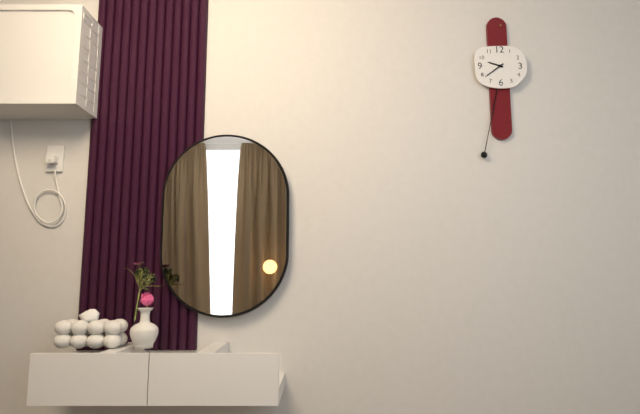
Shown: h=9 m=39
